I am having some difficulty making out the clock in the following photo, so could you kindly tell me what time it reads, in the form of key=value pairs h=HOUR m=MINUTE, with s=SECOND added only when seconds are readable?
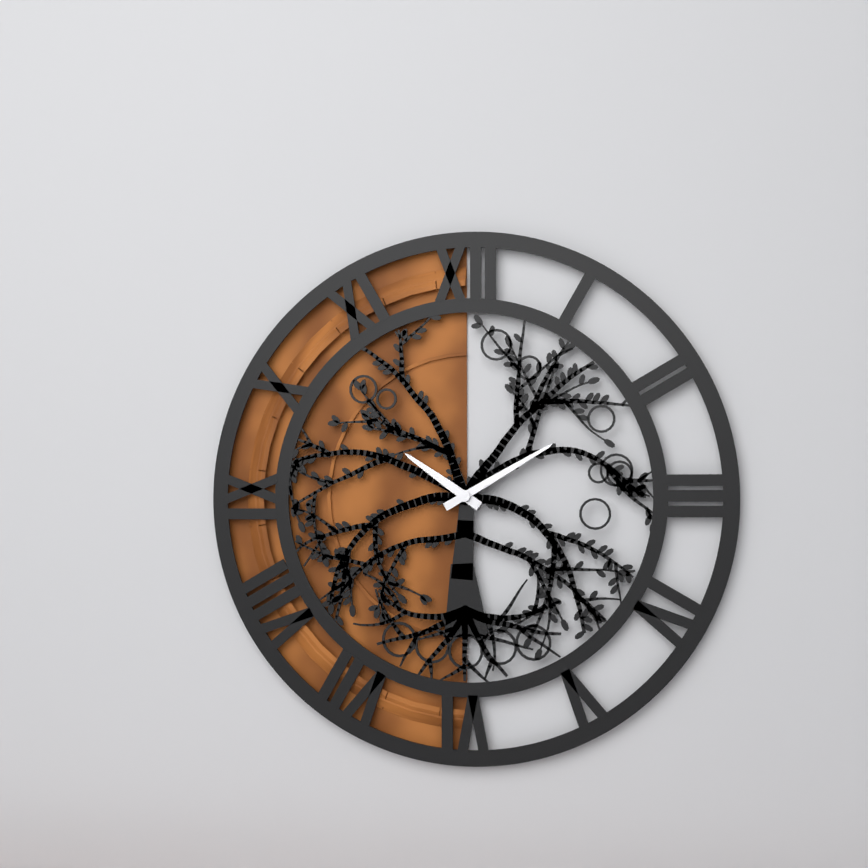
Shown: h=10 m=10
